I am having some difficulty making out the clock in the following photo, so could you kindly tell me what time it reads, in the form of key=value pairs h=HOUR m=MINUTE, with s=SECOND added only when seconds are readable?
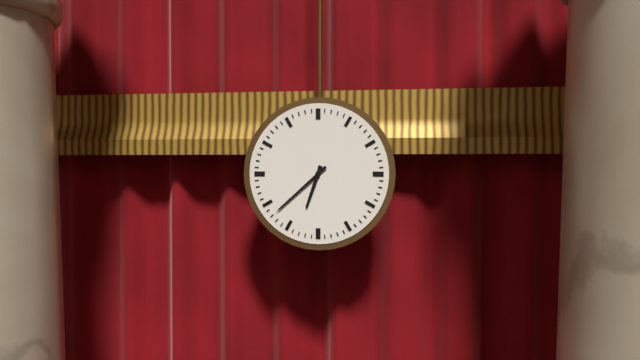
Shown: h=6 m=38
